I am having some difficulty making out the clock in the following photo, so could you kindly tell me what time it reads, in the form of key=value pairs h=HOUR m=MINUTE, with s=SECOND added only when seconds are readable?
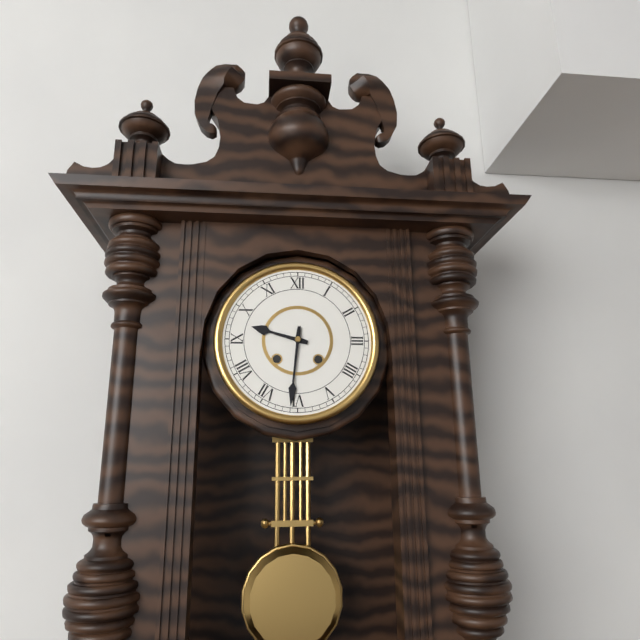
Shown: h=9 m=31
